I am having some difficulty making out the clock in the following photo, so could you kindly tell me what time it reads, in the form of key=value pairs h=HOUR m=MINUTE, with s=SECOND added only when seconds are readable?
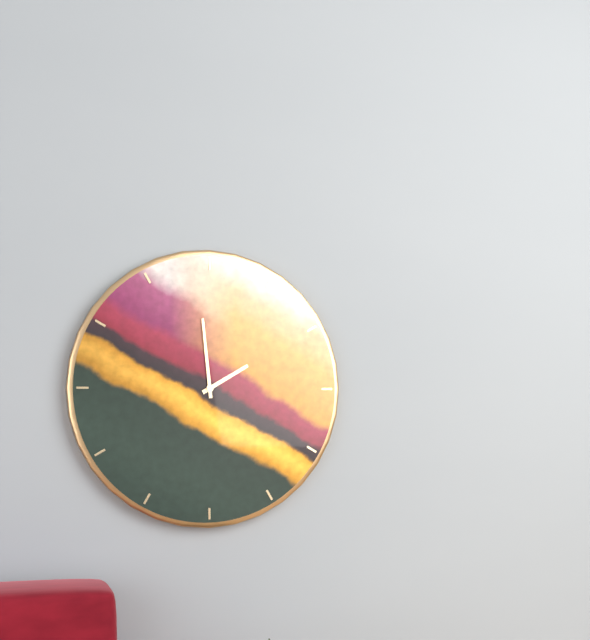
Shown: h=1 m=59
